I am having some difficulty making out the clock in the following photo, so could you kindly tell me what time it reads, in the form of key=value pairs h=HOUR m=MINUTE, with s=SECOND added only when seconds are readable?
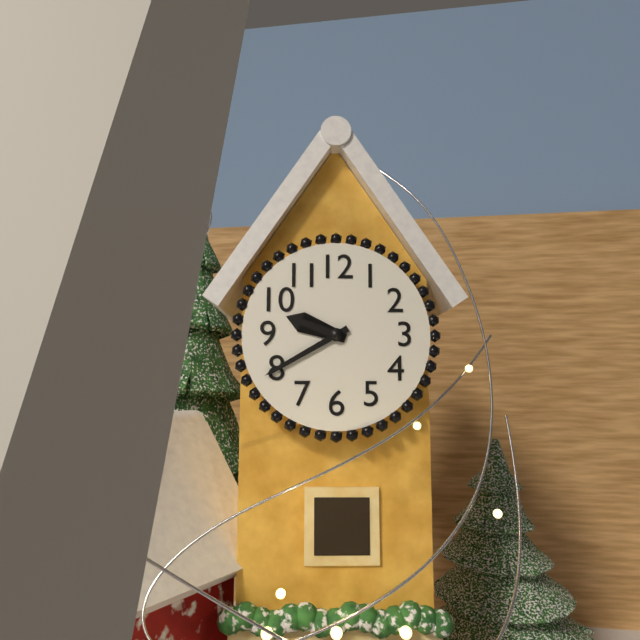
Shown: h=9 m=40
